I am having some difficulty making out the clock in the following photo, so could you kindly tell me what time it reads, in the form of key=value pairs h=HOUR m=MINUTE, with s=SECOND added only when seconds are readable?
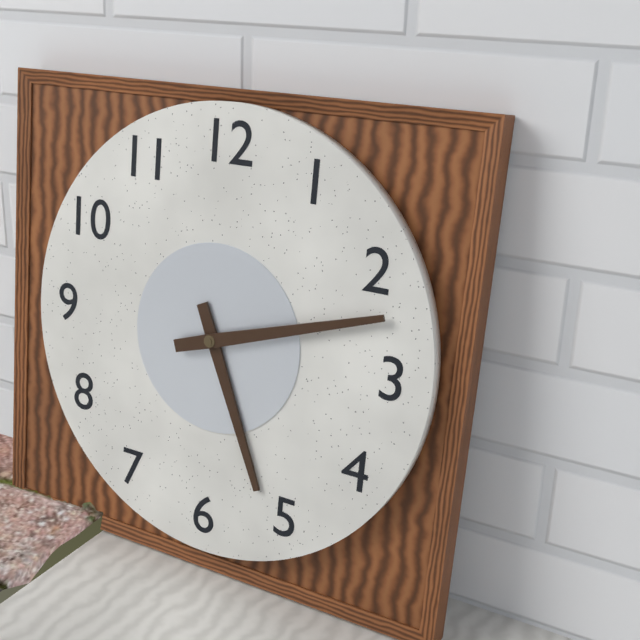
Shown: h=5 m=12
